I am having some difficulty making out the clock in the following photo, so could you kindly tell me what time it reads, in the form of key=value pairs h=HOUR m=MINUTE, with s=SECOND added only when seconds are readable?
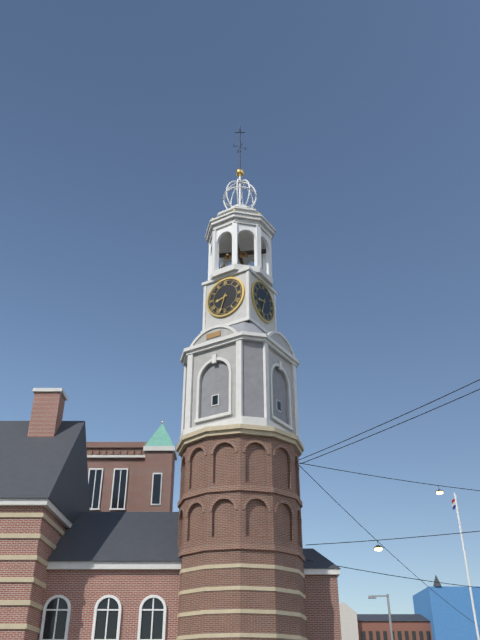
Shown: h=8 m=33
